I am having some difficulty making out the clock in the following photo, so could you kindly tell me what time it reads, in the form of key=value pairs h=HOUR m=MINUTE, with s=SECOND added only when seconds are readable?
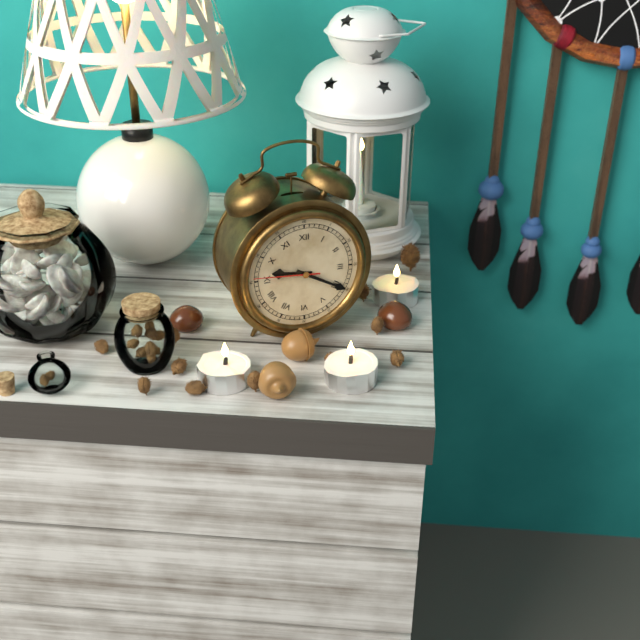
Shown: h=9 m=20 s=46
